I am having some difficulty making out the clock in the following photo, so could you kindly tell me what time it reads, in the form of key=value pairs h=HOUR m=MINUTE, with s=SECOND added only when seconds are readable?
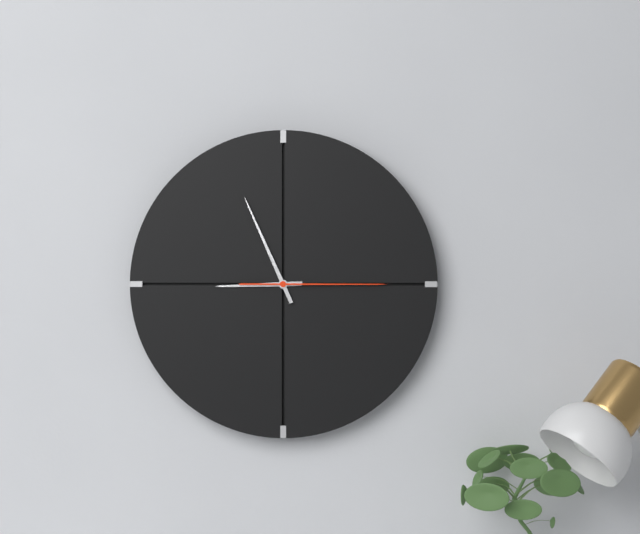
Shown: h=8 m=56 s=15
